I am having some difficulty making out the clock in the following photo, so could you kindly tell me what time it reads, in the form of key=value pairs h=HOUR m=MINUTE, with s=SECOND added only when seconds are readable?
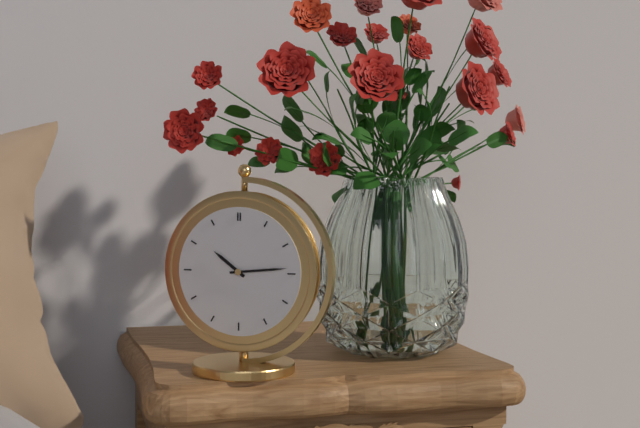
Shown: h=10 m=14
